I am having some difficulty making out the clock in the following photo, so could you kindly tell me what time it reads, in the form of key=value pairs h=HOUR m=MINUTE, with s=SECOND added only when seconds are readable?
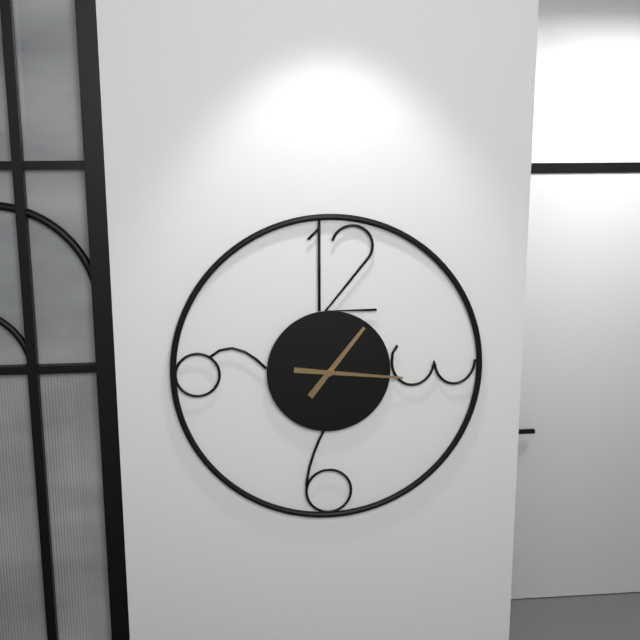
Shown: h=1 m=16
